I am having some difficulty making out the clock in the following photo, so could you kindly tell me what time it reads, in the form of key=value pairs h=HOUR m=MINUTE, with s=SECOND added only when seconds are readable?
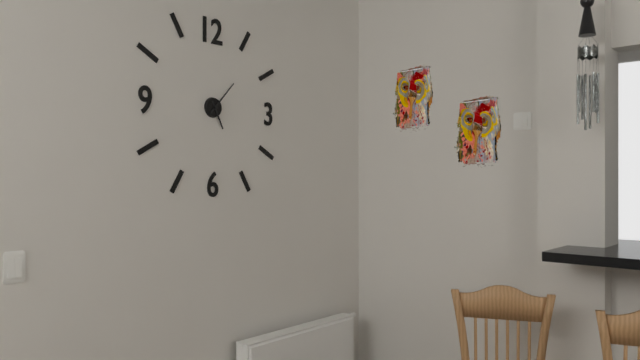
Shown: h=5 m=7
